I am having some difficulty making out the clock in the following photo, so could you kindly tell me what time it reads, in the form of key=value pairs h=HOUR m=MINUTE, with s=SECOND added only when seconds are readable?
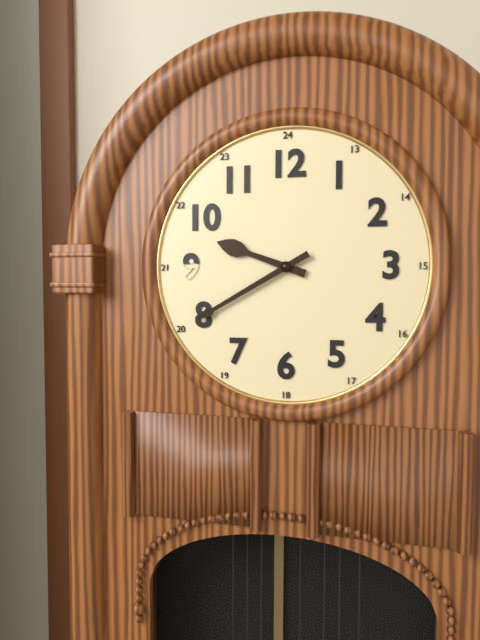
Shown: h=9 m=40
